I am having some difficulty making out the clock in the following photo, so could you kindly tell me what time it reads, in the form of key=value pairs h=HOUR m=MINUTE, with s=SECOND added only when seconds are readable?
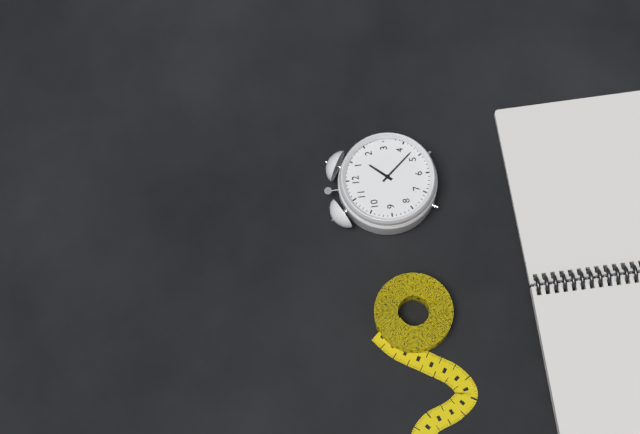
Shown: h=1 m=23
